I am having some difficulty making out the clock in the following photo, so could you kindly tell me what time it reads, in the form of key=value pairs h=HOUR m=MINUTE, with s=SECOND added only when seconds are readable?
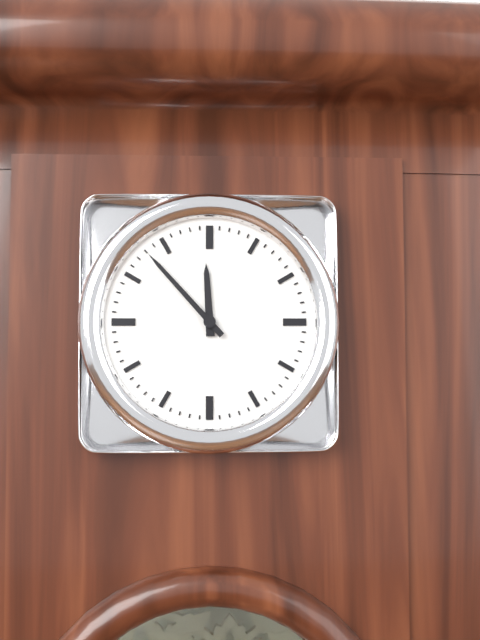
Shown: h=11 m=53
